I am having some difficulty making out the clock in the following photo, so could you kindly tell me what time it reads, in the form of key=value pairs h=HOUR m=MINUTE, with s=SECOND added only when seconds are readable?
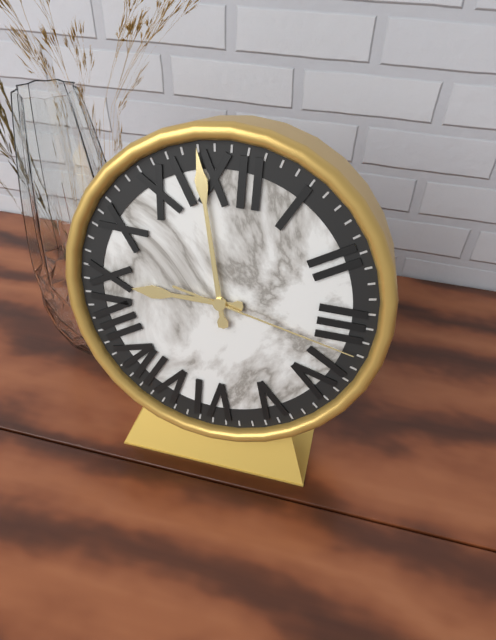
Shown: h=8 m=58 s=17
